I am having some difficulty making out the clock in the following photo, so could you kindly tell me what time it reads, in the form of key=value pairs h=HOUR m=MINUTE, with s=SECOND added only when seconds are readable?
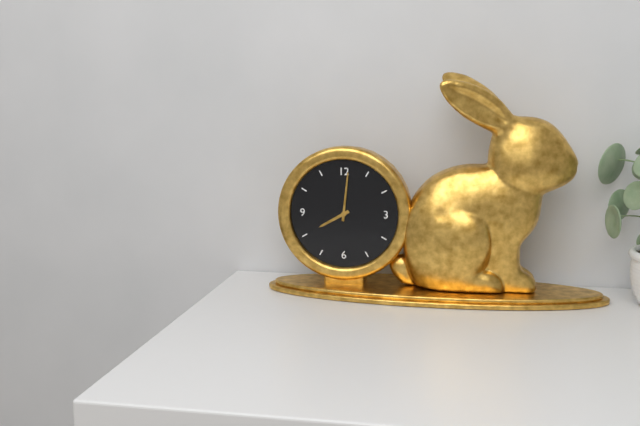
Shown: h=8 m=1
